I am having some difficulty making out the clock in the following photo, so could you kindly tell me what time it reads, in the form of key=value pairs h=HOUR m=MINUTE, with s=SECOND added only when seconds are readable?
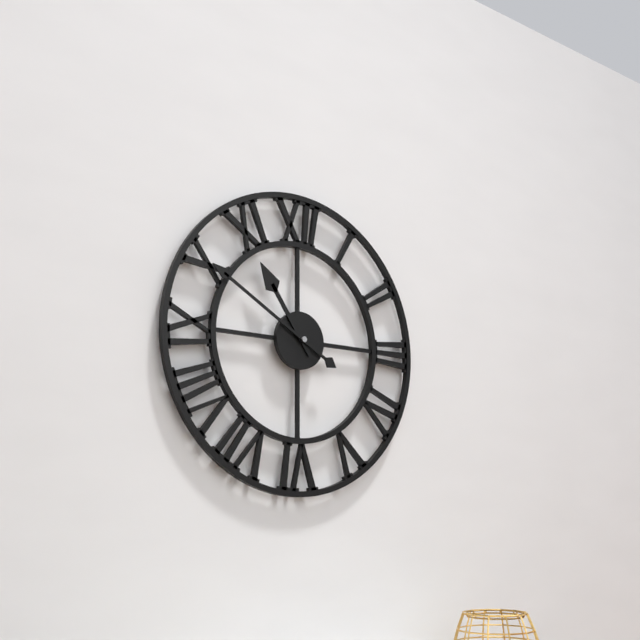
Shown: h=10 m=50
